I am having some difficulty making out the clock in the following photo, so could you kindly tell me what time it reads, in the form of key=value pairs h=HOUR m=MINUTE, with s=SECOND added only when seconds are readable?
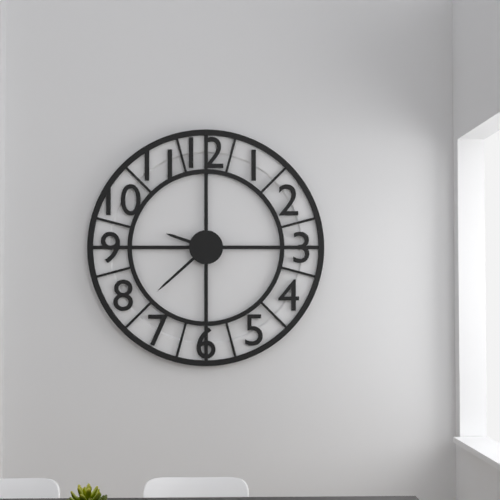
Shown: h=9 m=38
